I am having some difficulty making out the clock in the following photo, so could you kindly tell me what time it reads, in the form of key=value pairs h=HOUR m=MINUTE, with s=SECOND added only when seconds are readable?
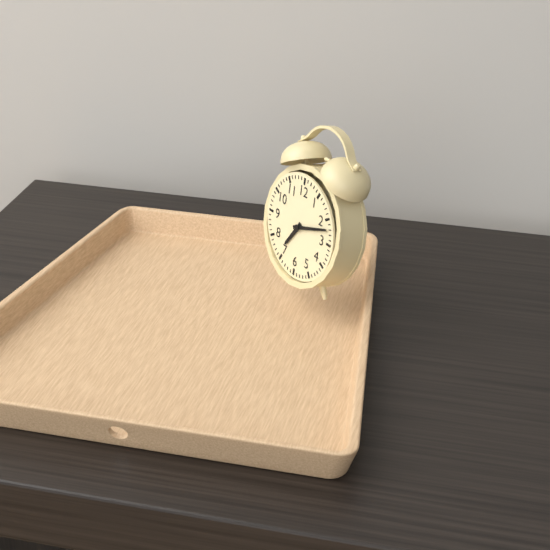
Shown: h=7 m=12
